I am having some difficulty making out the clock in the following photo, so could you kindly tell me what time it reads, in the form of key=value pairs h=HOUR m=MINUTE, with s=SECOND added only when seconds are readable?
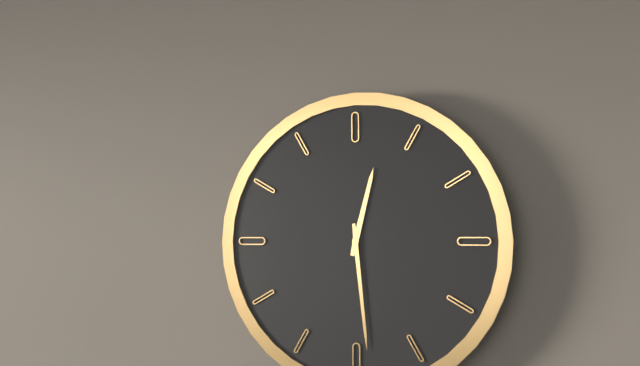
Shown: h=12 m=29
